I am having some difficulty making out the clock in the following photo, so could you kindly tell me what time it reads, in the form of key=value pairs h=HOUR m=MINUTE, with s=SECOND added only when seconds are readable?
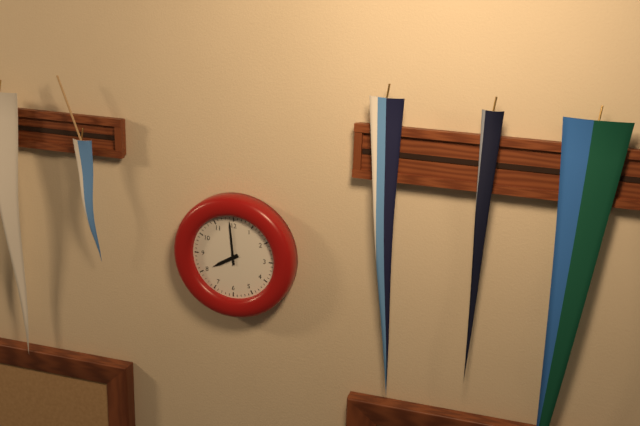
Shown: h=7 m=59
